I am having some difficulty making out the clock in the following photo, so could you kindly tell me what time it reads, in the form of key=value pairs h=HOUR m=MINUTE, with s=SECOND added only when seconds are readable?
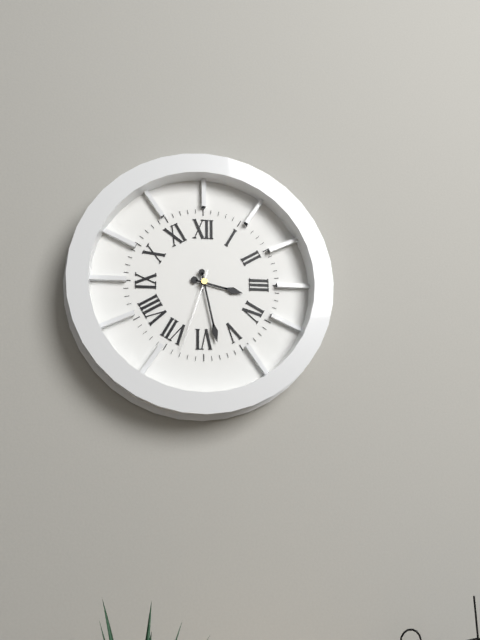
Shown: h=3 m=28 s=33
